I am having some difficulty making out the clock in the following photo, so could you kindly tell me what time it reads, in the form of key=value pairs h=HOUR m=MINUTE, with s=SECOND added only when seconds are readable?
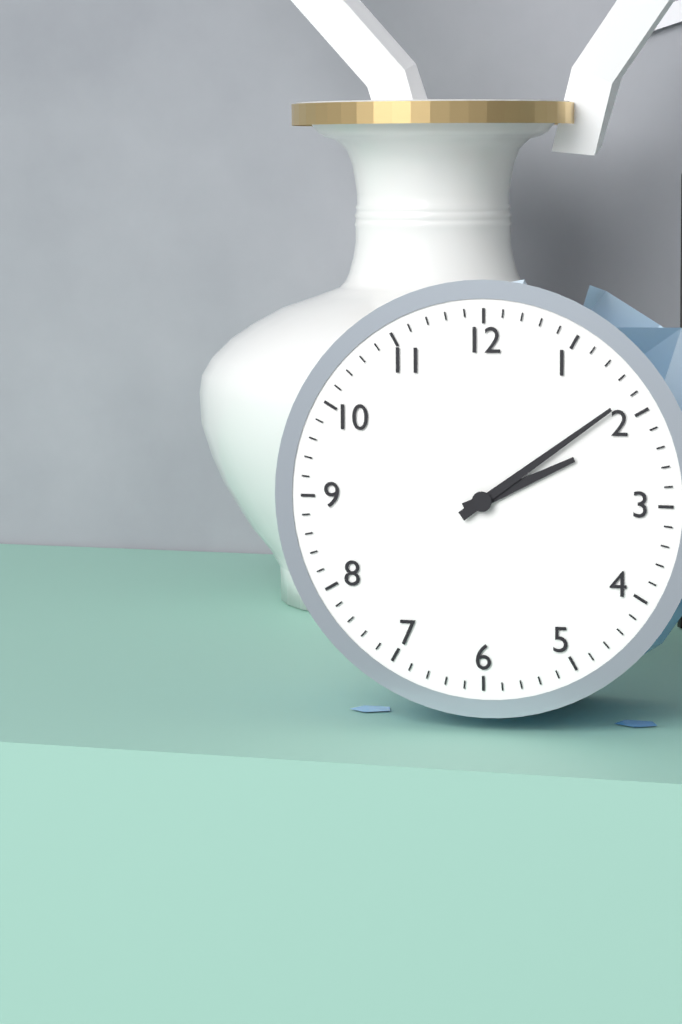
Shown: h=2 m=9
